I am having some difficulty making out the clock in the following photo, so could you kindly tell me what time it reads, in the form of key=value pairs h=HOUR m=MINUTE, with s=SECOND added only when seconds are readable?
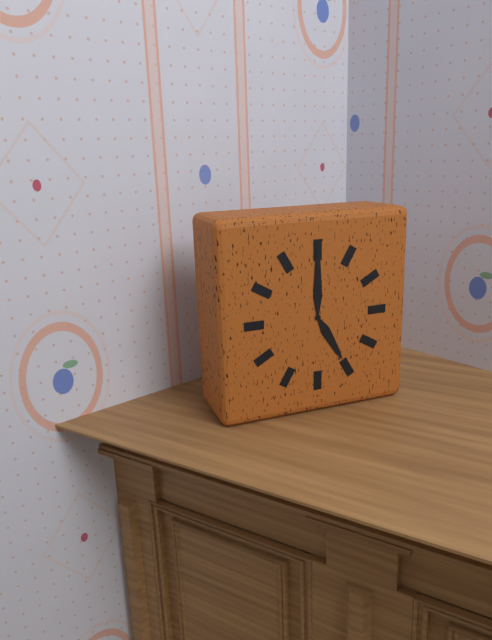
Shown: h=5 m=0
